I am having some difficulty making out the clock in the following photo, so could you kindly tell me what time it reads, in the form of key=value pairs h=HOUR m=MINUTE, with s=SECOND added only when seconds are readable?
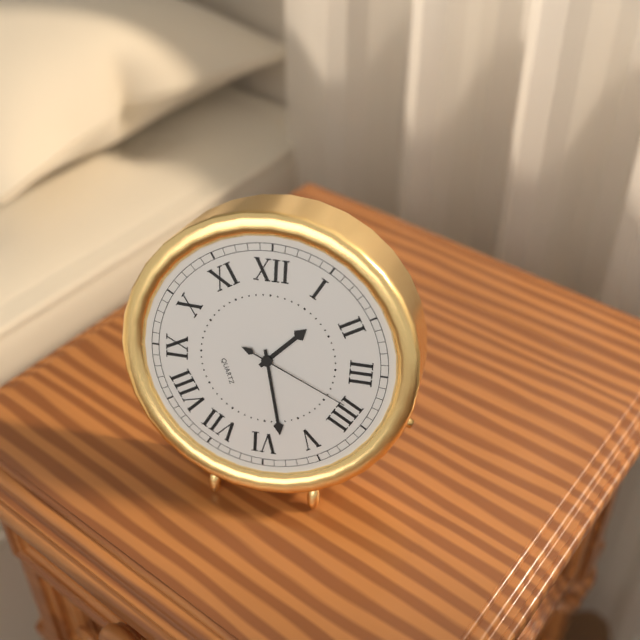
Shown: h=1 m=28 s=19
